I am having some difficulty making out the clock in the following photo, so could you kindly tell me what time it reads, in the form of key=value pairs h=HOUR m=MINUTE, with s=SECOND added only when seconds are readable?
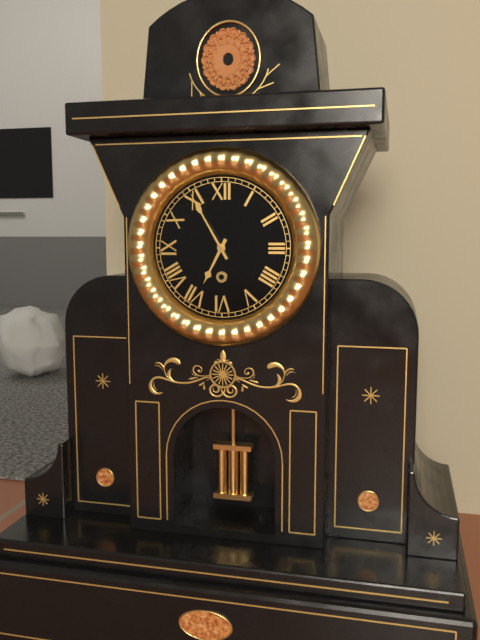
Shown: h=6 m=55
